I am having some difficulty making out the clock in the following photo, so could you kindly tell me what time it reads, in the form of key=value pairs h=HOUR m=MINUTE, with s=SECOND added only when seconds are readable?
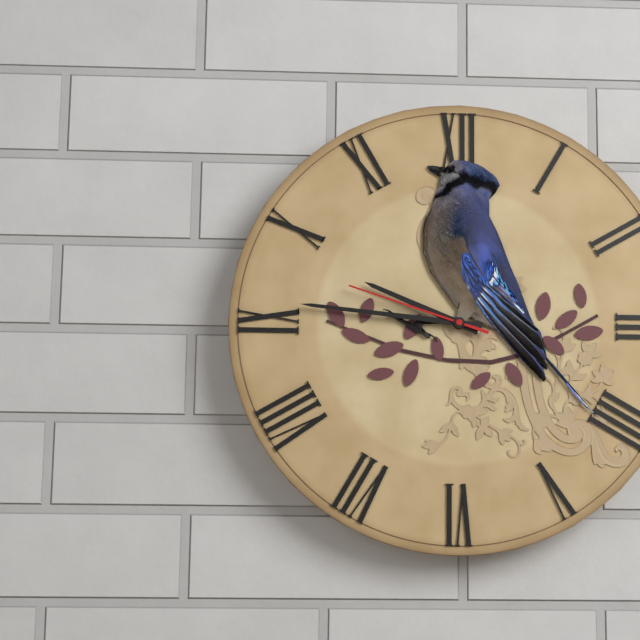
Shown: h=9 m=46 s=48
